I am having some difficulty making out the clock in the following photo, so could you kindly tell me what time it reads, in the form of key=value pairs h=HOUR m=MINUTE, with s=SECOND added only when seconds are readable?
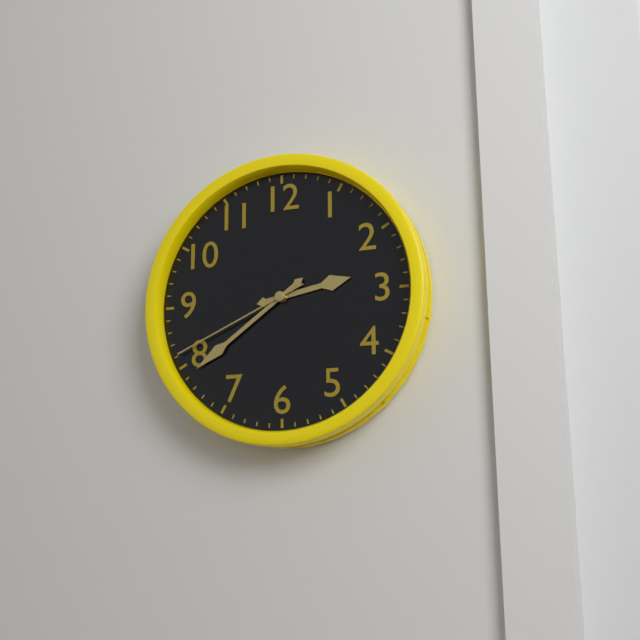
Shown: h=2 m=39 s=41
